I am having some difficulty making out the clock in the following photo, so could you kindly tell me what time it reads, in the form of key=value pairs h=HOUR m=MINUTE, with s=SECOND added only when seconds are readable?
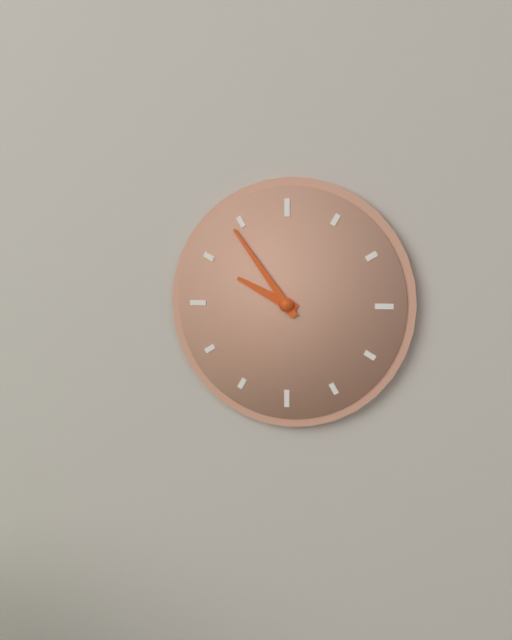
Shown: h=9 m=54
